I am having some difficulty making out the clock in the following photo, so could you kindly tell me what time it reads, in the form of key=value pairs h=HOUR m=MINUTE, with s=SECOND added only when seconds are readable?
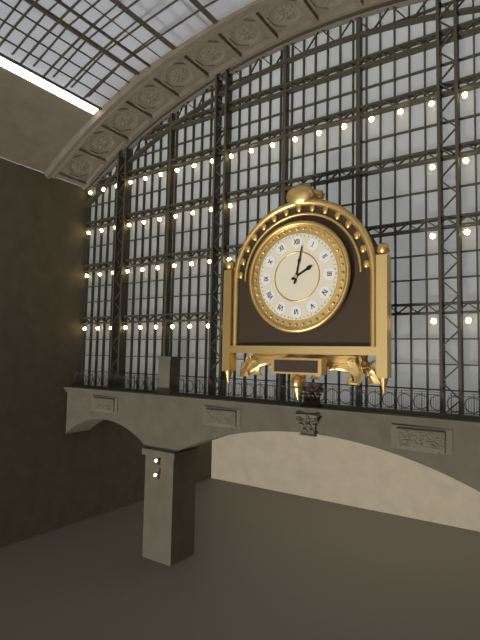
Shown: h=2 m=2
